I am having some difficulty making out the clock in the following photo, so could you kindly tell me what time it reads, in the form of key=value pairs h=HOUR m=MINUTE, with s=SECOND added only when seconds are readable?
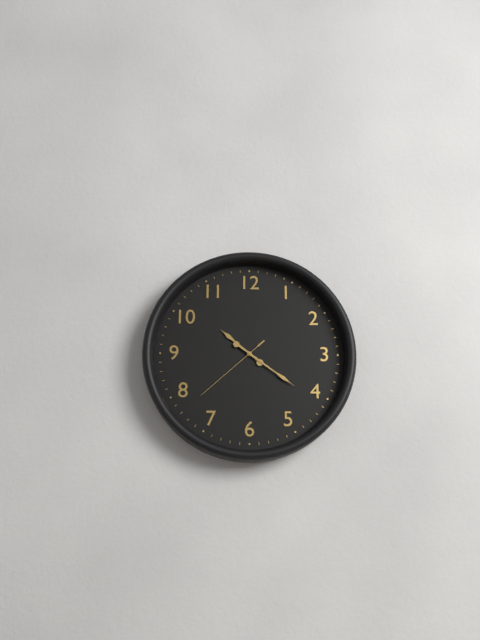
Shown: h=10 m=21 s=38
